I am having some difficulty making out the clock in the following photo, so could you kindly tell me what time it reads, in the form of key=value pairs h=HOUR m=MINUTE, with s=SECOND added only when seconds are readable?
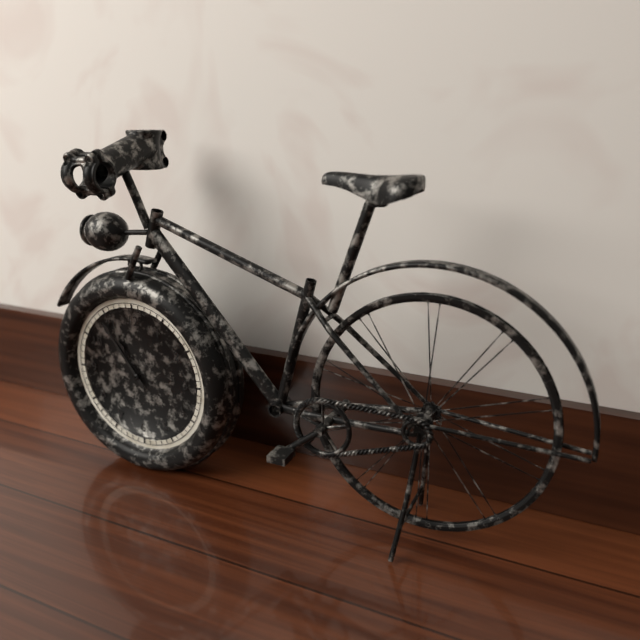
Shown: h=10 m=54
